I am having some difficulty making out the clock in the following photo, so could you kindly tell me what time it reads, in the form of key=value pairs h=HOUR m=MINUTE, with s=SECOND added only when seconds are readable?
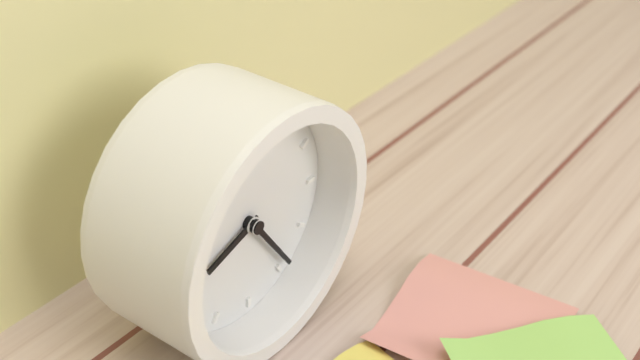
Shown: h=8 m=24
